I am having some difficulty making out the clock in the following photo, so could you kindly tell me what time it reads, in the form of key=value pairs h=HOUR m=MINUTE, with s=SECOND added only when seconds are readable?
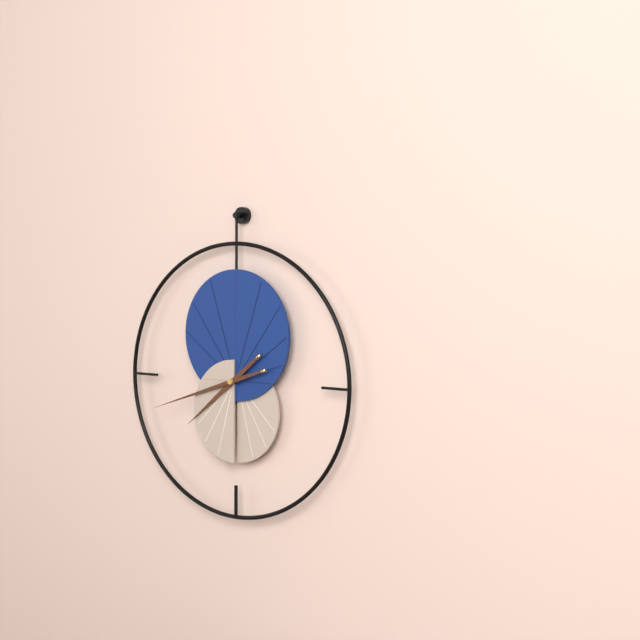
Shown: h=7 m=42
